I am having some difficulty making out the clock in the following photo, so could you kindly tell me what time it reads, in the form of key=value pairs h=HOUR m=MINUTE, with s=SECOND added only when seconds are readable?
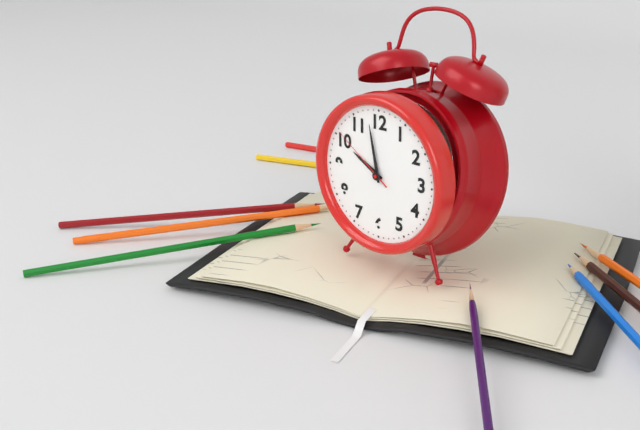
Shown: h=9 m=58 s=51
